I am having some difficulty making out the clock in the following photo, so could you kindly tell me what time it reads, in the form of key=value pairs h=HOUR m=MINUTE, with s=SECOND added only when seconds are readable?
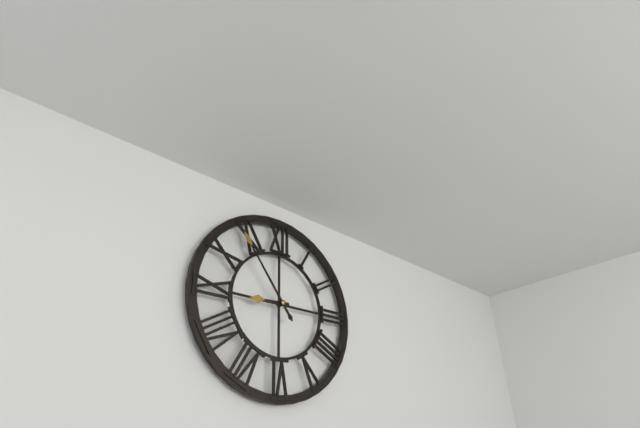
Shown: h=8 m=54
